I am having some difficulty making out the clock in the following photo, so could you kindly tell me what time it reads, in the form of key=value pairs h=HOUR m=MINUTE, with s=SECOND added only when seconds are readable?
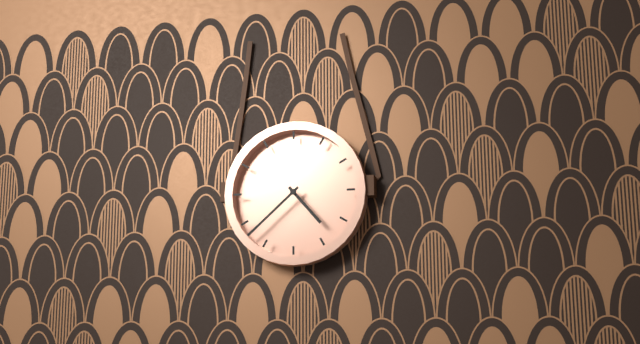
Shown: h=4 m=38
